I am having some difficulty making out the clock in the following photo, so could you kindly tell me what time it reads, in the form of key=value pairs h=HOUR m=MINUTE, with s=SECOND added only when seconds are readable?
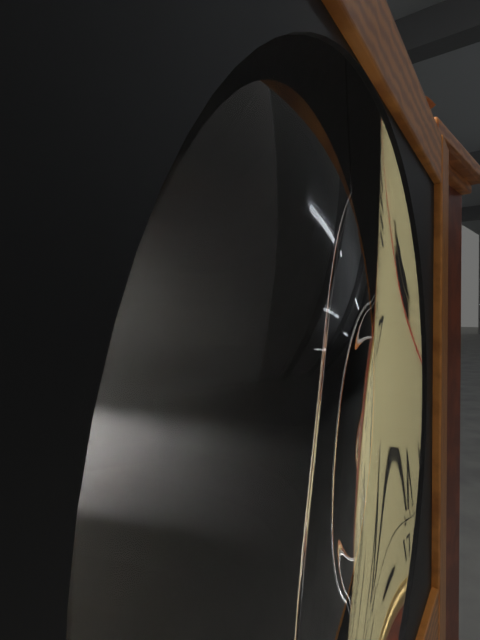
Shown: h=8 m=39 s=16
